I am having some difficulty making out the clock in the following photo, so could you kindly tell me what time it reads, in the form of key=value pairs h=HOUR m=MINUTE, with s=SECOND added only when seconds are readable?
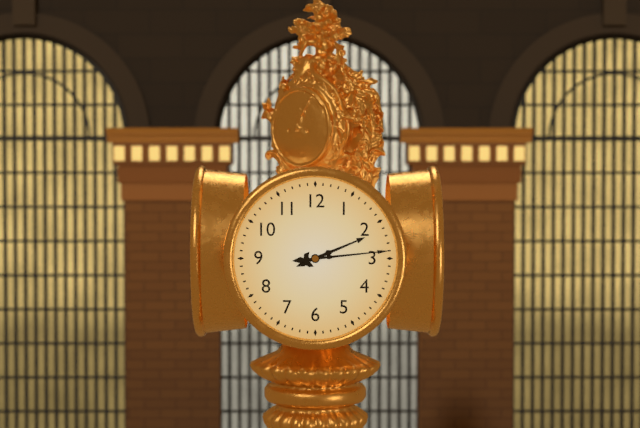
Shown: h=2 m=14
